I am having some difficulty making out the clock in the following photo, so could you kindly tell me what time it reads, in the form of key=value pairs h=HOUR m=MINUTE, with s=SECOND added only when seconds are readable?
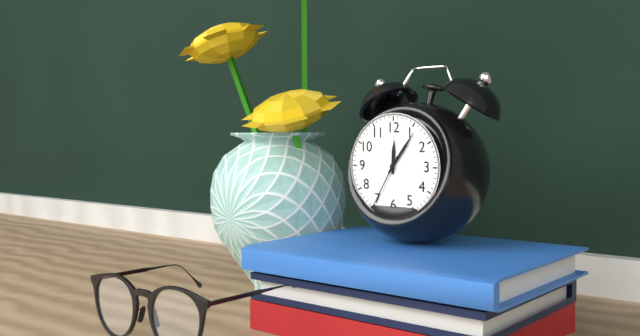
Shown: h=12 m=6 s=35
